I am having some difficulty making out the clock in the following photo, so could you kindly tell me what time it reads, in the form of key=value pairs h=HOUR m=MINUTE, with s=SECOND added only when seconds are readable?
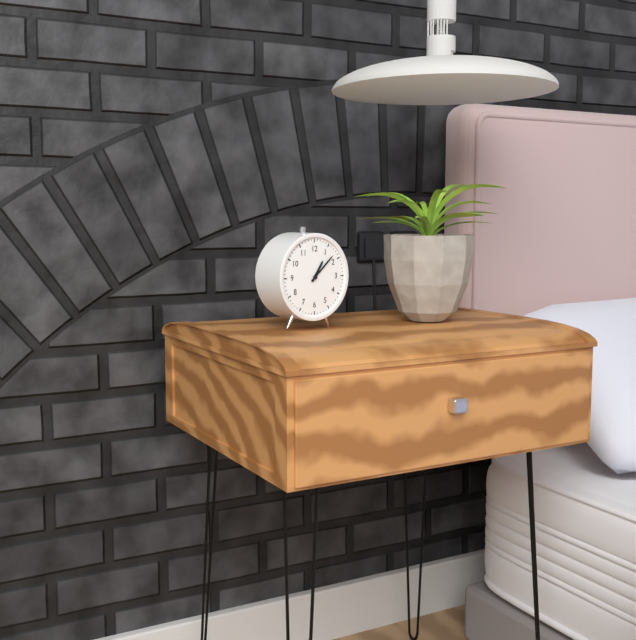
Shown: h=1 m=8
